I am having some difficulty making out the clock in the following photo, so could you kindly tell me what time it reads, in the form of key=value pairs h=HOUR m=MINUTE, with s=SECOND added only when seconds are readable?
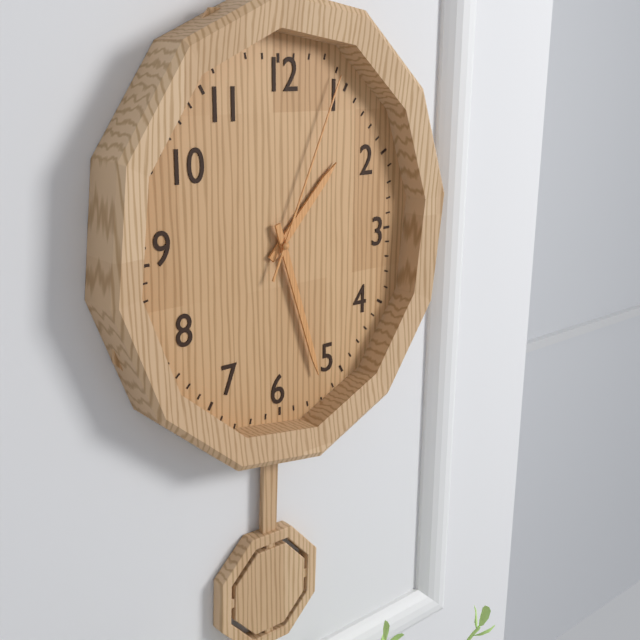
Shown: h=1 m=27 s=4
